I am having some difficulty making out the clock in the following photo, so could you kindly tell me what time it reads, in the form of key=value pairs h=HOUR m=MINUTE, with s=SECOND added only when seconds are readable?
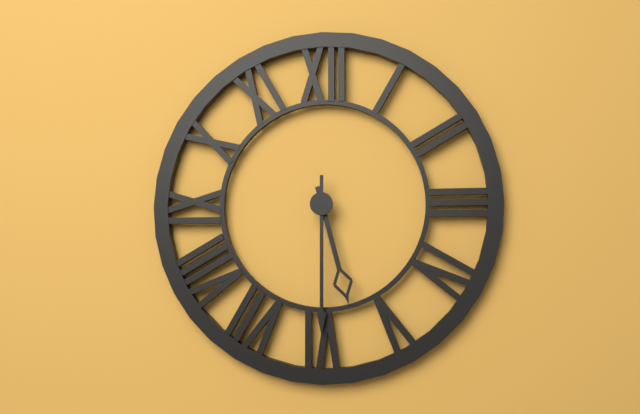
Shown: h=5 m=30
